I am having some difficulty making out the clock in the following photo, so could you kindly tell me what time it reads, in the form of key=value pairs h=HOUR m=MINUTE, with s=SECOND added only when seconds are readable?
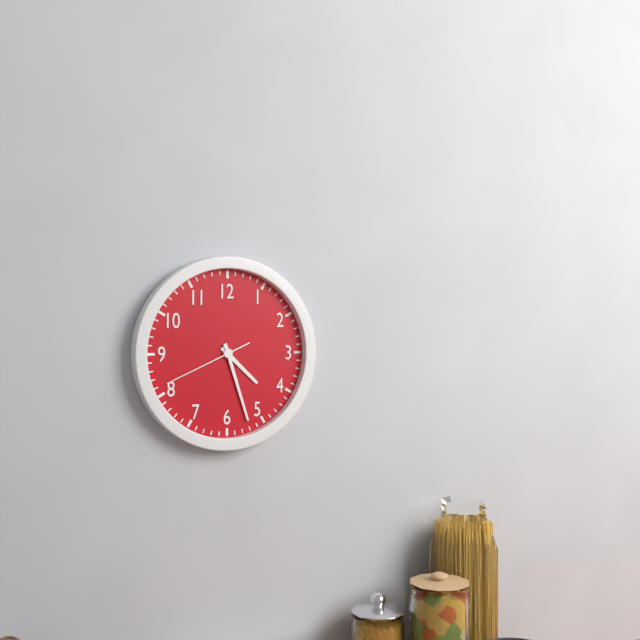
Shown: h=4 m=27 s=41
